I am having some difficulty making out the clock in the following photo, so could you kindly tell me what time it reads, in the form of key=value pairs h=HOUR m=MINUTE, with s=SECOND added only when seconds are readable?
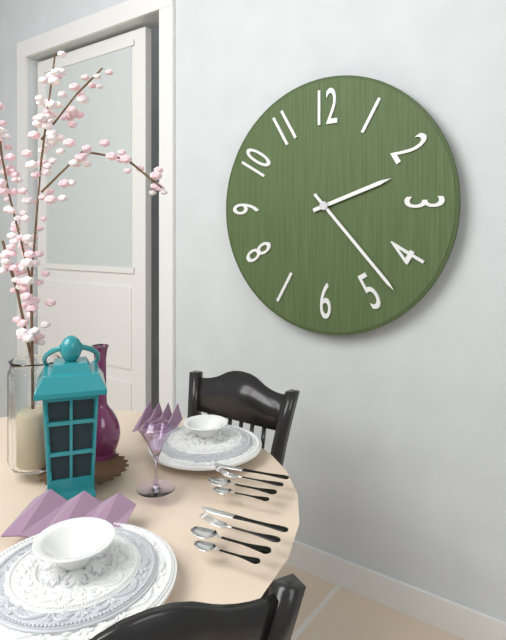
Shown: h=2 m=23
